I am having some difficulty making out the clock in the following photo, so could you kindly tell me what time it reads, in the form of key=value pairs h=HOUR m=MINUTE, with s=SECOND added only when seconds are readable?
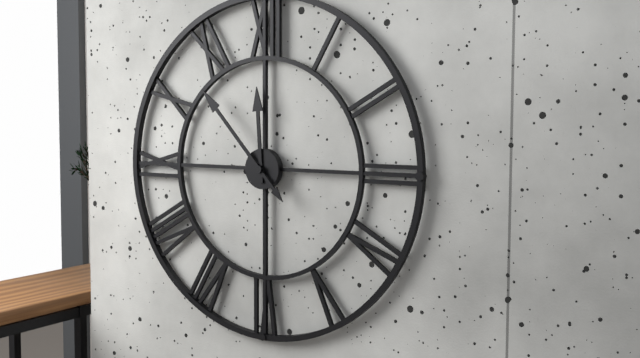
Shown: h=11 m=53
